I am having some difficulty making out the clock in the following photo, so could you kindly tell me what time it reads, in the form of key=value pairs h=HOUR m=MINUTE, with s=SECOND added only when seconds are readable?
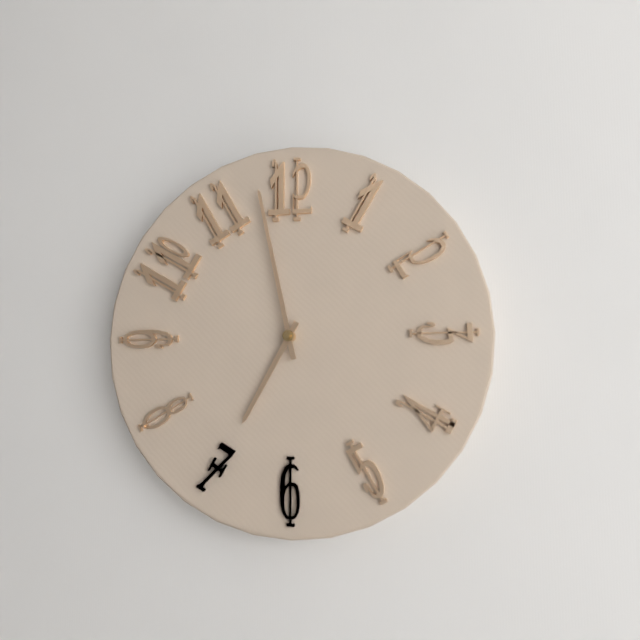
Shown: h=6 m=58
